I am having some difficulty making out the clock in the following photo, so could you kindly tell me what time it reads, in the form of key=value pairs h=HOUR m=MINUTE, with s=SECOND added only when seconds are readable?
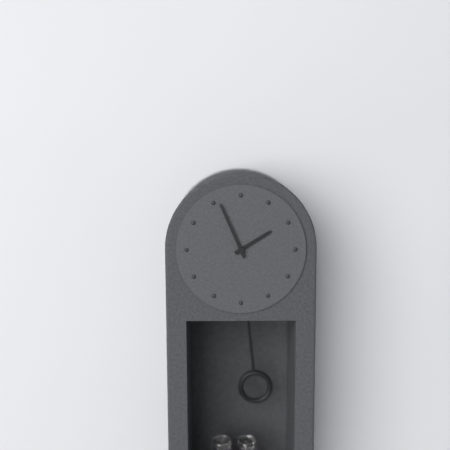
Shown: h=1 m=56
